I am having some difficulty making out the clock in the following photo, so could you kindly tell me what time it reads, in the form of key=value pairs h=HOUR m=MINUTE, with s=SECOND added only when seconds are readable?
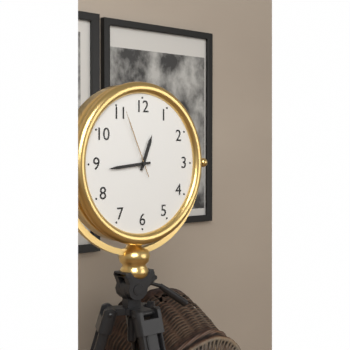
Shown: h=12 m=44 s=56
